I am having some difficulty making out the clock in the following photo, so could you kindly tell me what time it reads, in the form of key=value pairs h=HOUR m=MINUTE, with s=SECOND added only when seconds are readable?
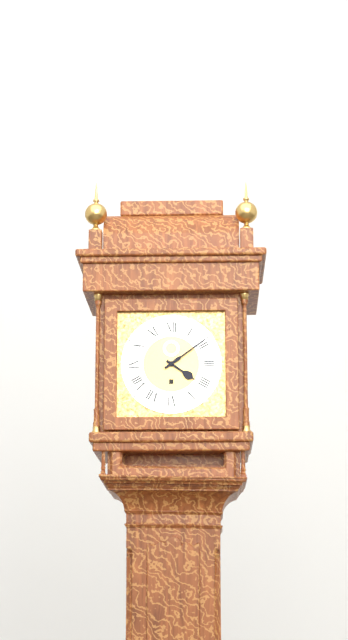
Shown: h=4 m=9
